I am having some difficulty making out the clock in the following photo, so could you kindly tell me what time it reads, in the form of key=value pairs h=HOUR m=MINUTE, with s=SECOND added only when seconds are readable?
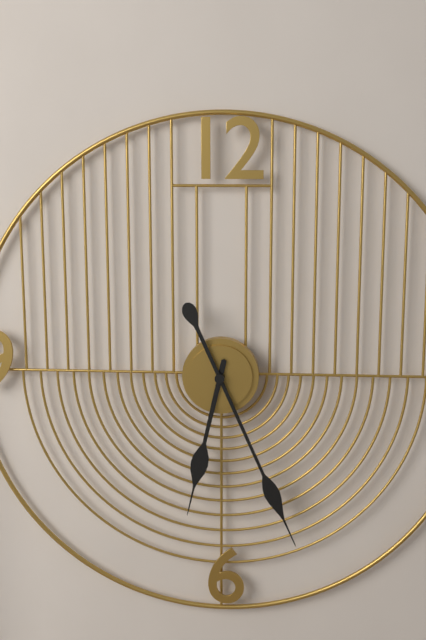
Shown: h=6 m=26
